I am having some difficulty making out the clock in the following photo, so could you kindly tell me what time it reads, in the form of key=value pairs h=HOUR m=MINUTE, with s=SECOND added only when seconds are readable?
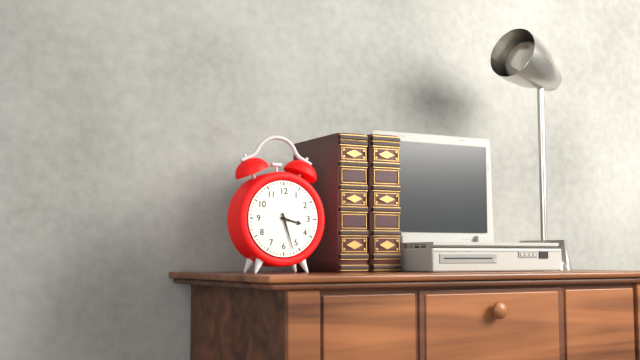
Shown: h=3 m=27
